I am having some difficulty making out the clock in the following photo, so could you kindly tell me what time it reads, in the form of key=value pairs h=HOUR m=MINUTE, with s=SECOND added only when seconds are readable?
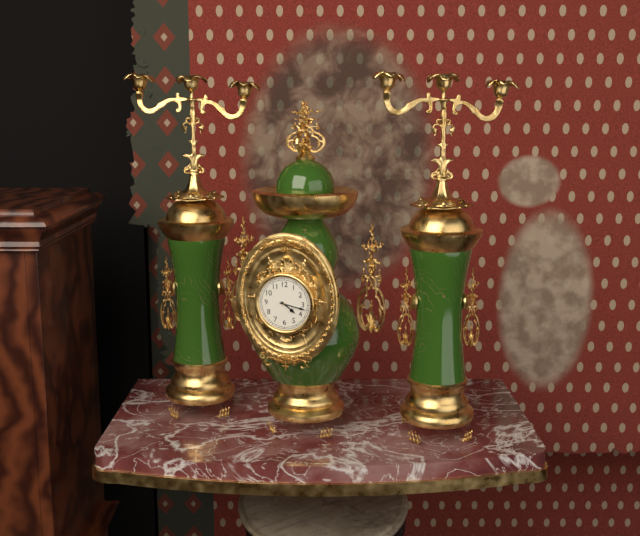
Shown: h=4 m=17
